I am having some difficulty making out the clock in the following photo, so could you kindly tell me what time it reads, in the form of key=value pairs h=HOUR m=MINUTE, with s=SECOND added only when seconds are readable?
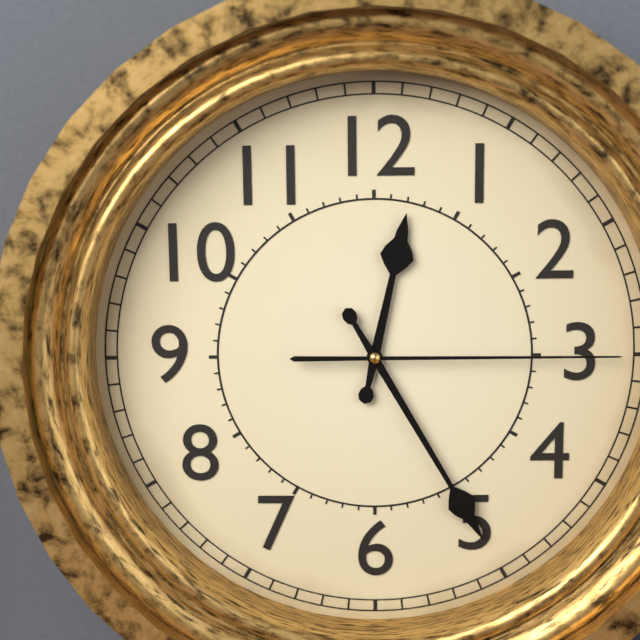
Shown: h=12 m=25 s=15
